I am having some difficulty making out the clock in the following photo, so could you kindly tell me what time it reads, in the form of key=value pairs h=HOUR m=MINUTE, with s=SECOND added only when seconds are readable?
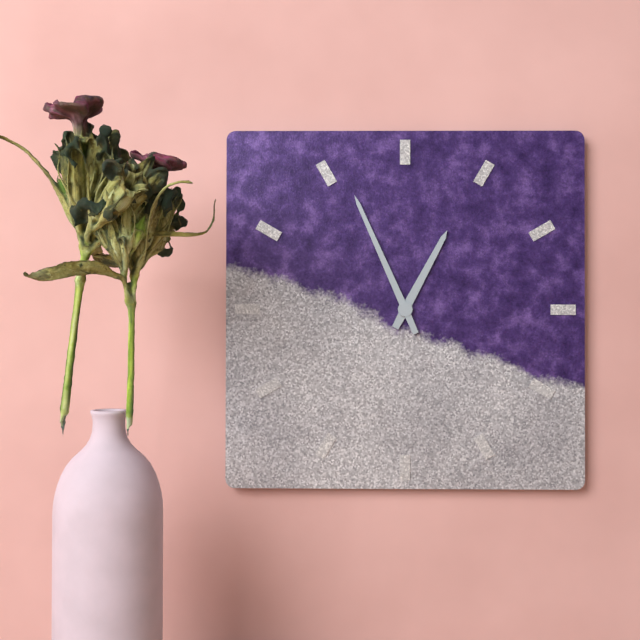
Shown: h=12 m=56
